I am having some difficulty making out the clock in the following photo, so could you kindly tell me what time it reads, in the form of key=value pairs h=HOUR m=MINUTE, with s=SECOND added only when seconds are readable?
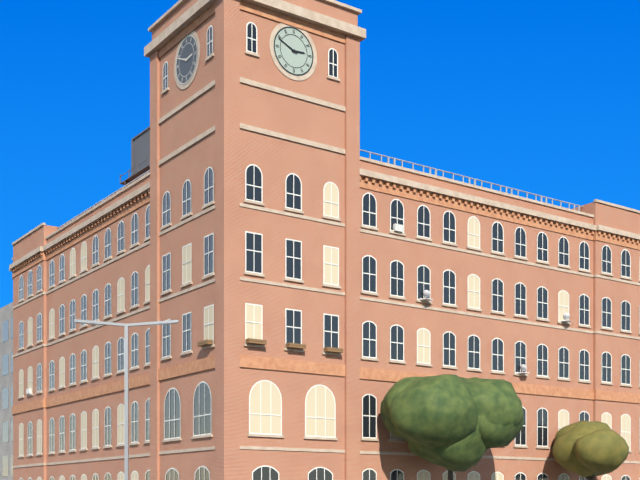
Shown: h=2 m=49
